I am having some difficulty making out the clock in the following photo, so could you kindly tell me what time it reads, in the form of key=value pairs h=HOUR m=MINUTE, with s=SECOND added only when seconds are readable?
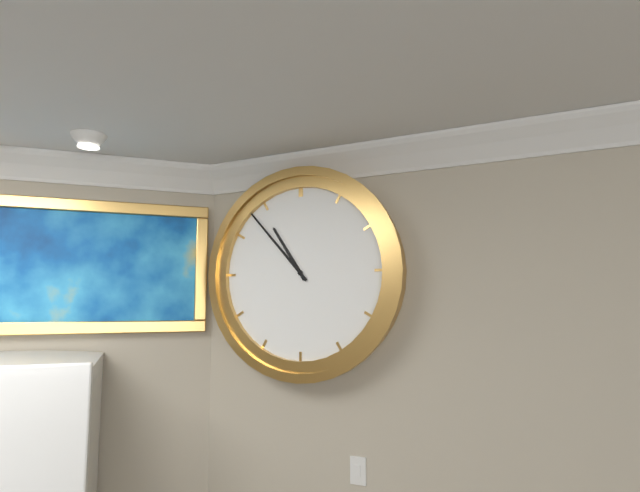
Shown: h=10 m=53
